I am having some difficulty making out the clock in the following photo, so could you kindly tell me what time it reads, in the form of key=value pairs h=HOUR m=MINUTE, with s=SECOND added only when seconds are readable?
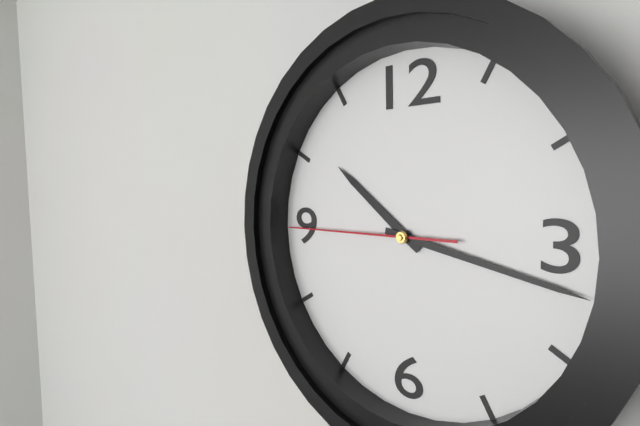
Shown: h=10 m=17 s=45
